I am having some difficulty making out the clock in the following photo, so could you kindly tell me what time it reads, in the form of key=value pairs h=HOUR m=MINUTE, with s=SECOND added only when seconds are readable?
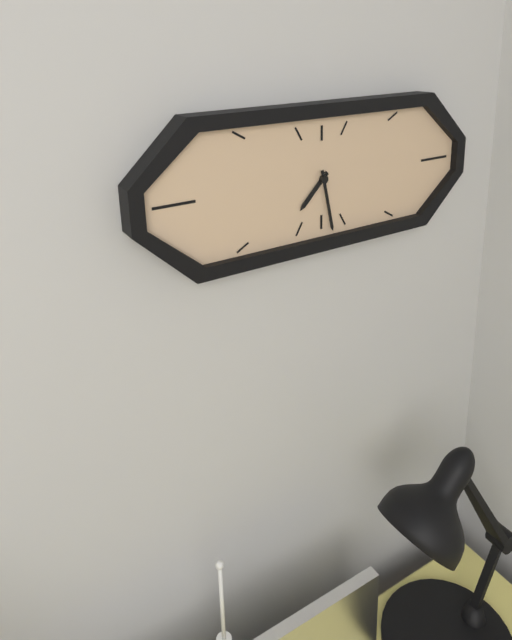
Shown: h=7 m=28
